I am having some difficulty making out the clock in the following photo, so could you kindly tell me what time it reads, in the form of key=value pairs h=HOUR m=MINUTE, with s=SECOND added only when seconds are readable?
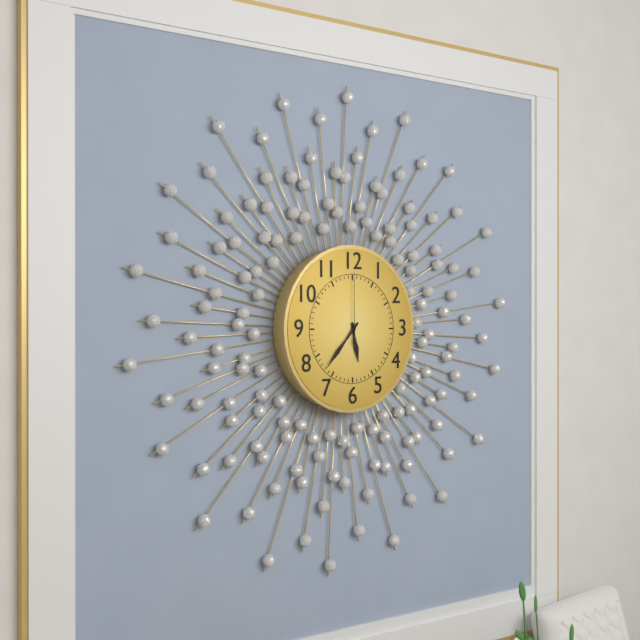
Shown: h=5 m=37 s=0
